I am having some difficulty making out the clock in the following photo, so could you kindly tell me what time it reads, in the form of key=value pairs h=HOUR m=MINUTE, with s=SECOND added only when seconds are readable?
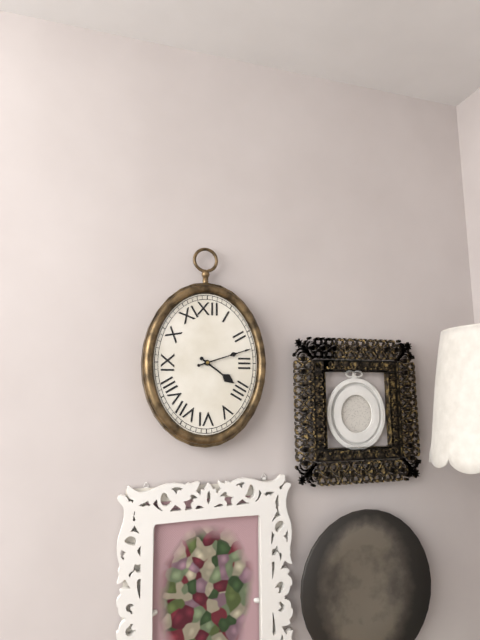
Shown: h=4 m=12
